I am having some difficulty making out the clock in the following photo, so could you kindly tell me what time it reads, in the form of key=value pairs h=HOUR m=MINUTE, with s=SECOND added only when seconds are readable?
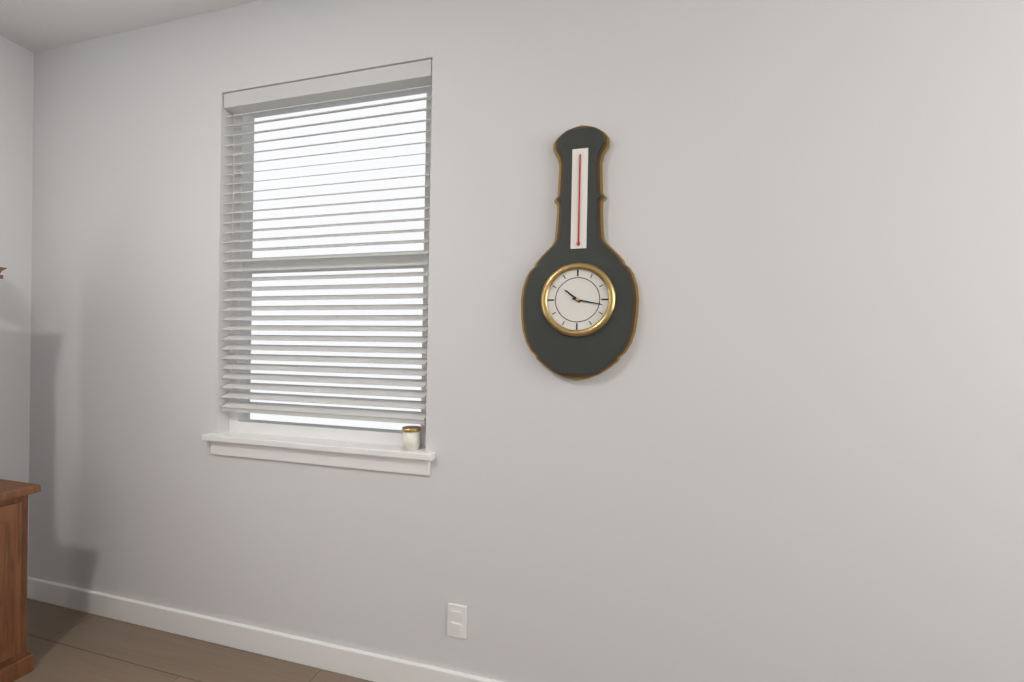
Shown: h=10 m=17
